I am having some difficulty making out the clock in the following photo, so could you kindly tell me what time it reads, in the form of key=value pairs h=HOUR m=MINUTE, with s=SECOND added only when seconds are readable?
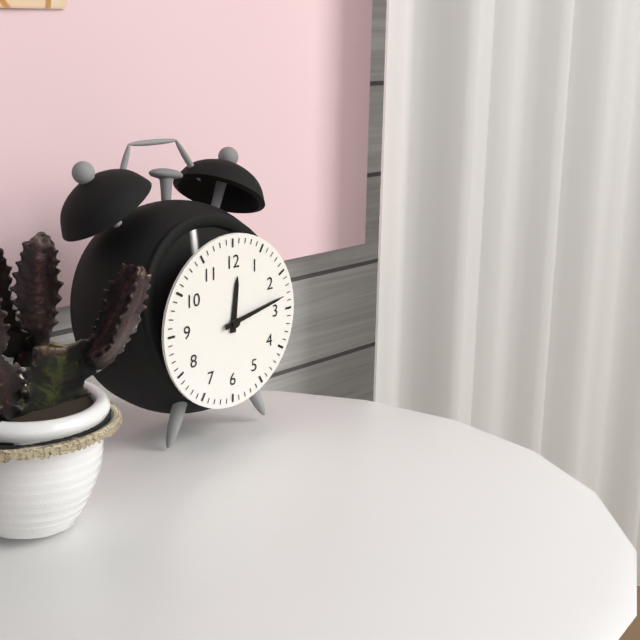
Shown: h=12 m=13
